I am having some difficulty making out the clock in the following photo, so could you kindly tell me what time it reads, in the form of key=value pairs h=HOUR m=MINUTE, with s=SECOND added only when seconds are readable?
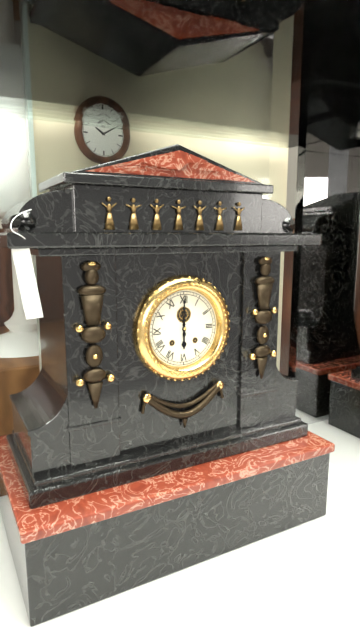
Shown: h=6 m=0
